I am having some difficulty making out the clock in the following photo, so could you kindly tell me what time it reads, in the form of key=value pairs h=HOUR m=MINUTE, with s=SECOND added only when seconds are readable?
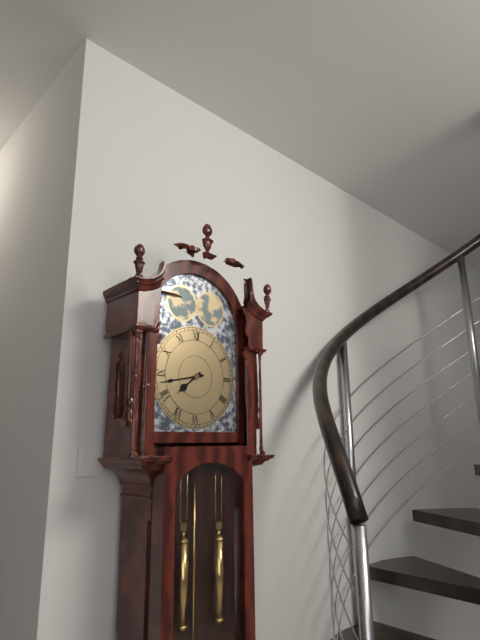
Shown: h=7 m=43
